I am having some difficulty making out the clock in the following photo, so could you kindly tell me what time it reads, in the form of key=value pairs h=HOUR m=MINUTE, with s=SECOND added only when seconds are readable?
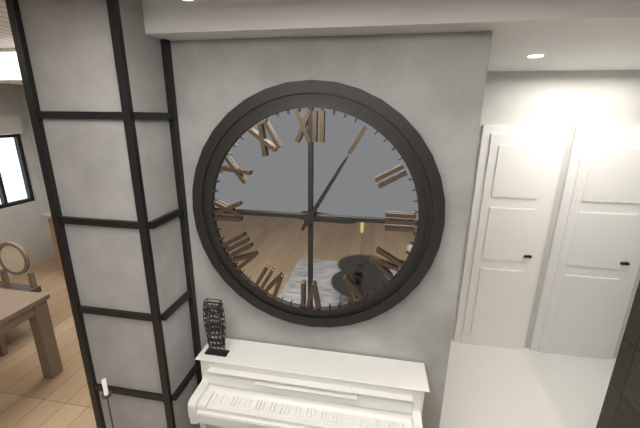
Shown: h=3 m=5
